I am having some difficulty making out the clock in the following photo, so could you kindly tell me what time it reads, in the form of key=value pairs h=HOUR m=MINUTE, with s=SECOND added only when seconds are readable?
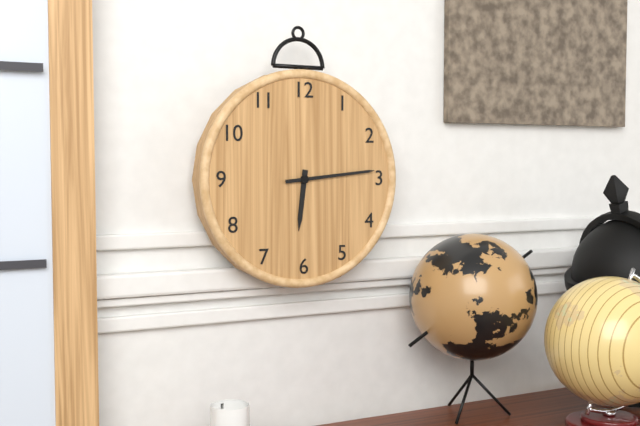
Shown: h=6 m=14
